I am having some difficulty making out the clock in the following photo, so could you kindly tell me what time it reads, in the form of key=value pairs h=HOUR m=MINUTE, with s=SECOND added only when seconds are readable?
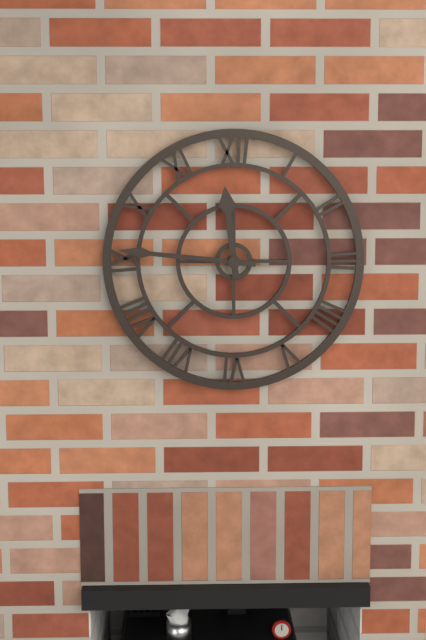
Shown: h=11 m=46
